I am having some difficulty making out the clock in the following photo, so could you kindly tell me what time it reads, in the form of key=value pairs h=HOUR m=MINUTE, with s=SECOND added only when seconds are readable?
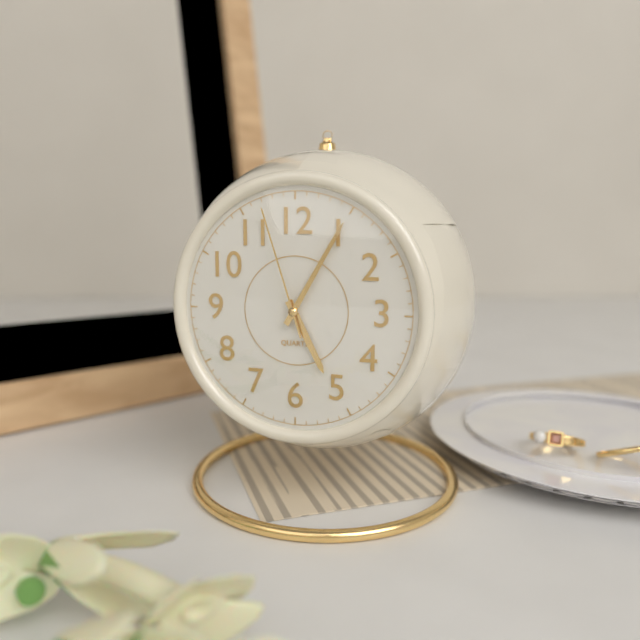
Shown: h=5 m=5 s=57
